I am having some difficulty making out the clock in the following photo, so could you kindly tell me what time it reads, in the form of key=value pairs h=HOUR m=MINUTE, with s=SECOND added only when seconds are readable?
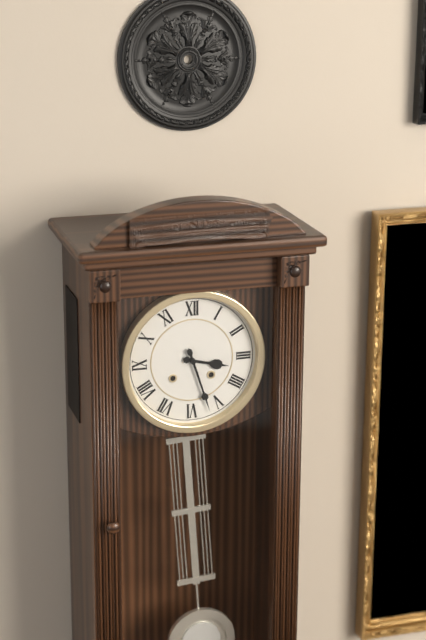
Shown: h=3 m=27
